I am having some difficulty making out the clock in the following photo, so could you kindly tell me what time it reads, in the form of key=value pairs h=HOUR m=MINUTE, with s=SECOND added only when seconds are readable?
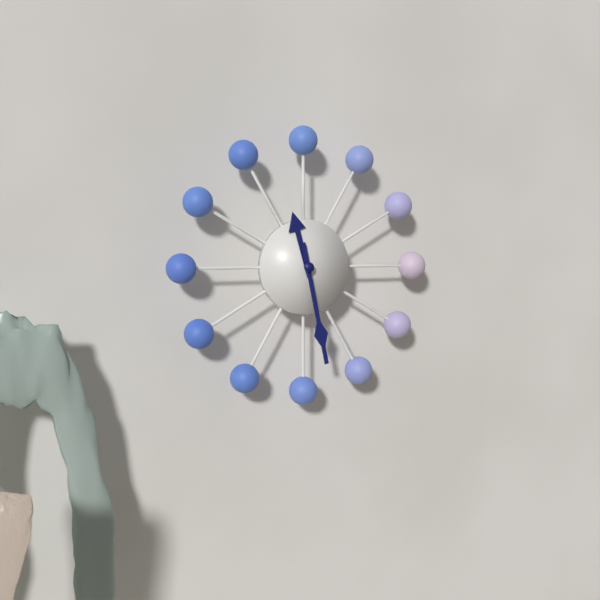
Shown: h=11 m=28
